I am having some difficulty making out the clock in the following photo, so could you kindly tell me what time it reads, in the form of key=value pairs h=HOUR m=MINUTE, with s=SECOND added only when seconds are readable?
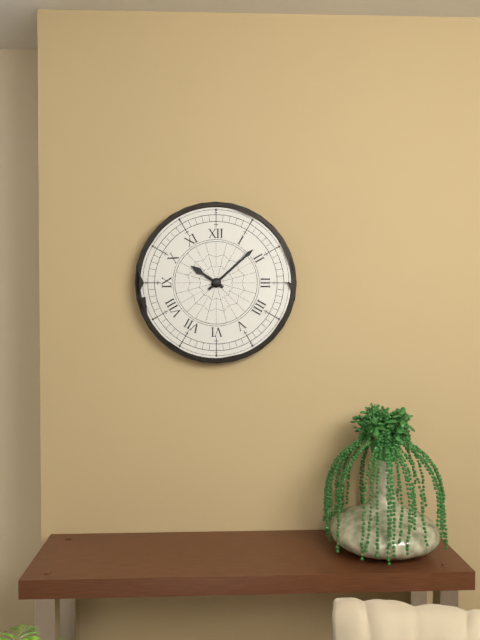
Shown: h=10 m=8
